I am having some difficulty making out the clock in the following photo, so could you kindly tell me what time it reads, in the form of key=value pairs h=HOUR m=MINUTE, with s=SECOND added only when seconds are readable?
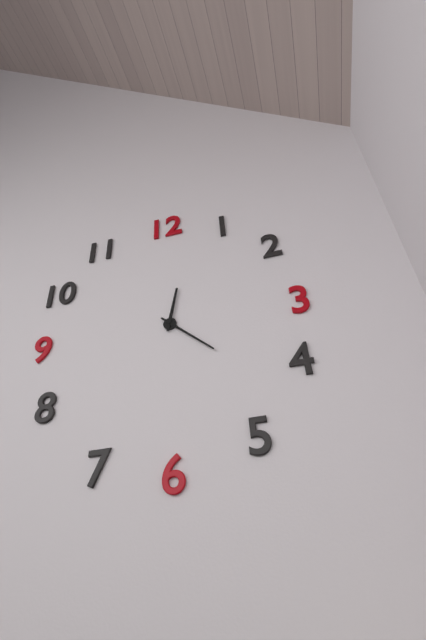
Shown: h=12 m=22
